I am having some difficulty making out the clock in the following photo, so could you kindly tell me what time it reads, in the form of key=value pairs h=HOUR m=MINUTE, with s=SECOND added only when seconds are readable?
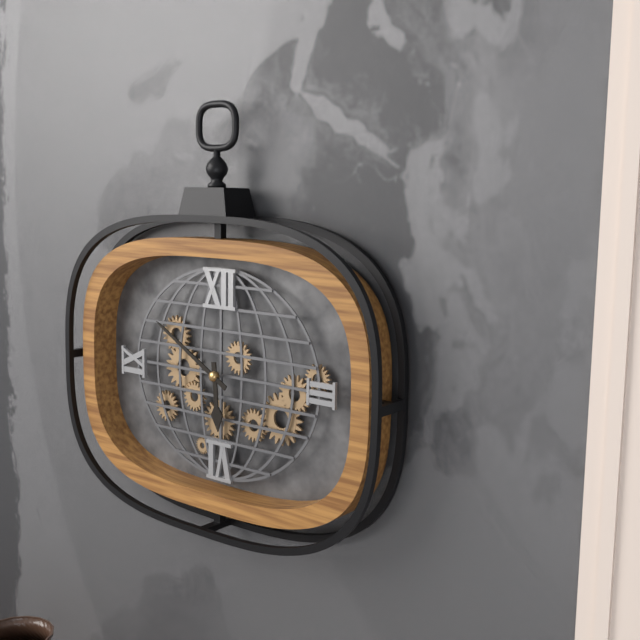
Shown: h=5 m=50
